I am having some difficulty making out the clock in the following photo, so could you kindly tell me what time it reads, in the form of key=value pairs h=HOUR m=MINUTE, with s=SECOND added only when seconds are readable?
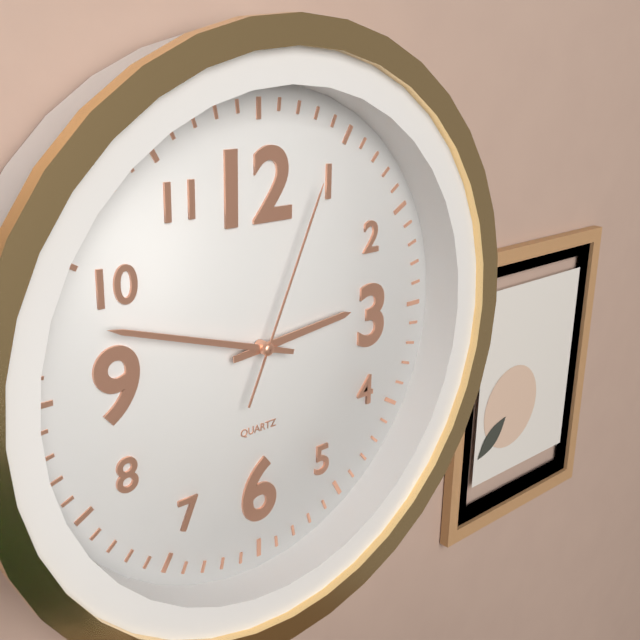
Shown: h=2 m=48 s=4
